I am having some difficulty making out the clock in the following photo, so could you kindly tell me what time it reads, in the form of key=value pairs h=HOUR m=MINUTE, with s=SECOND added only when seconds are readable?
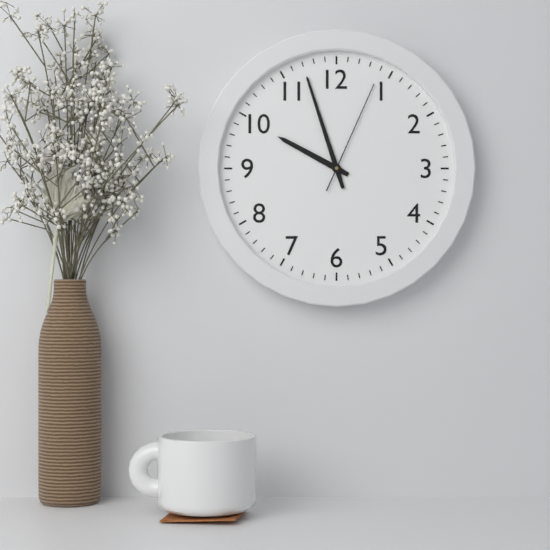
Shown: h=9 m=57 s=4
